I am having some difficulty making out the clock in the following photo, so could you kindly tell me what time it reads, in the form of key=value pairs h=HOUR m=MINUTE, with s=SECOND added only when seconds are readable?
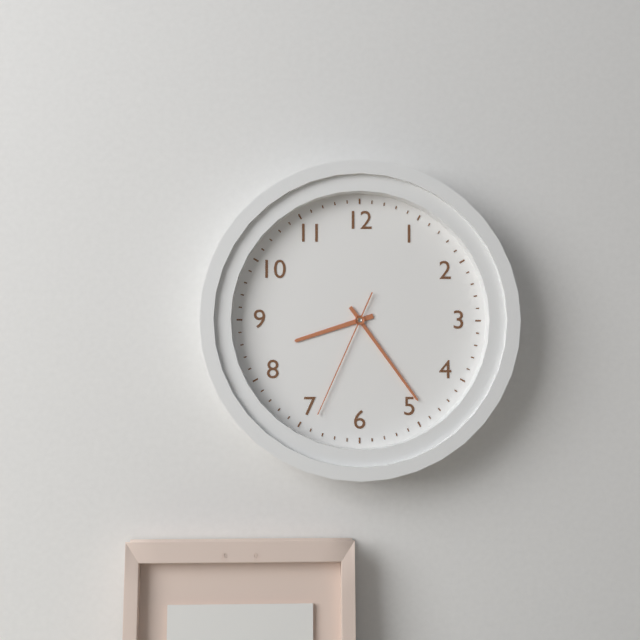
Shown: h=8 m=24 s=34
